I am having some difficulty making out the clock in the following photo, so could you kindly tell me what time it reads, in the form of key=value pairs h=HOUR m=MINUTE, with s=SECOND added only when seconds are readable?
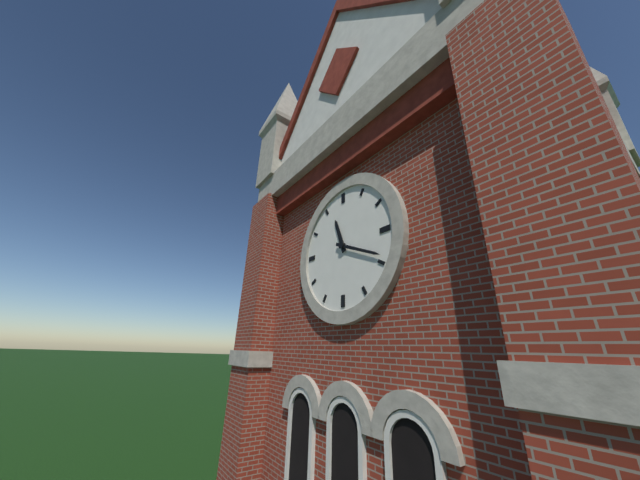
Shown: h=11 m=19
